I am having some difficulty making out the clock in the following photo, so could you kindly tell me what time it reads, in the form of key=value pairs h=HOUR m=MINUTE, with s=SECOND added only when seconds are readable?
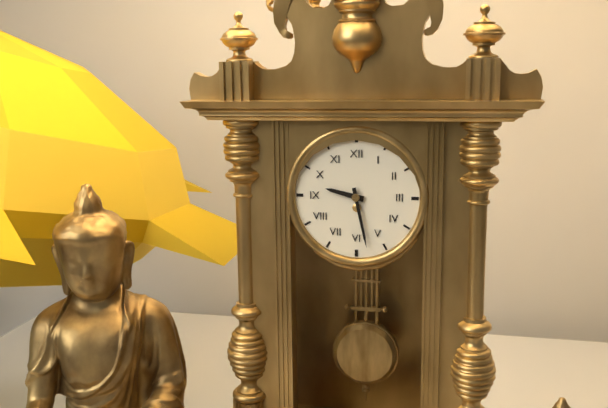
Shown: h=9 m=28
